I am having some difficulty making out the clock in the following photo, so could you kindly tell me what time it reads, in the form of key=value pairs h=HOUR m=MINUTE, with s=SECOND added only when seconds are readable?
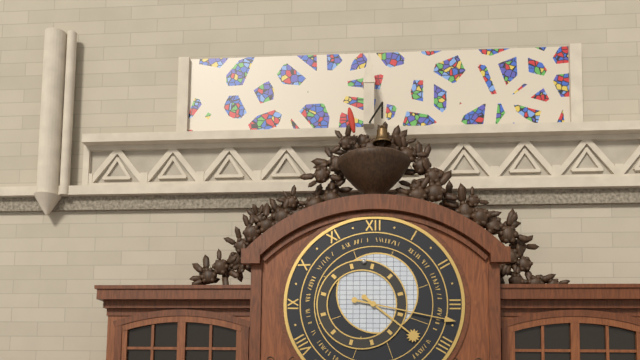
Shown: h=4 m=17
